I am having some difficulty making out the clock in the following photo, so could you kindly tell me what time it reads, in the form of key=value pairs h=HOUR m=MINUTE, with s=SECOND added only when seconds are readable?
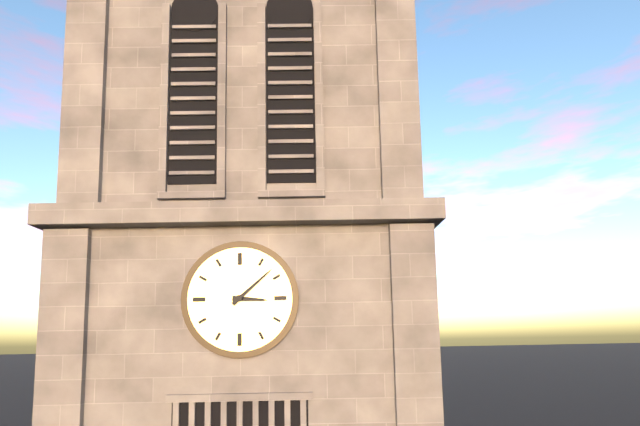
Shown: h=3 m=8
